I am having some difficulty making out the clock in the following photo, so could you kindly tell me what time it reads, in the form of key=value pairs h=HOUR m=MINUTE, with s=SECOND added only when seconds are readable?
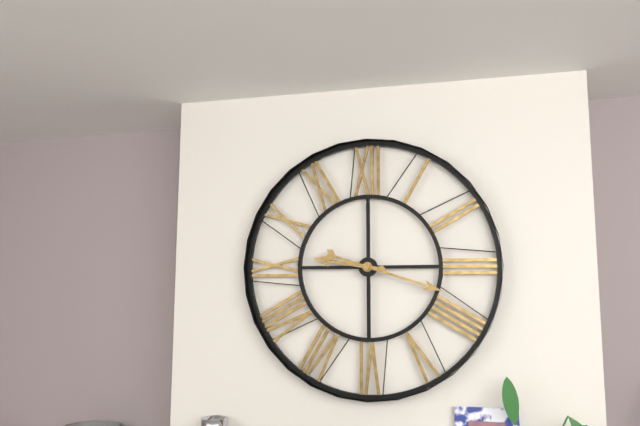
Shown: h=9 m=18
